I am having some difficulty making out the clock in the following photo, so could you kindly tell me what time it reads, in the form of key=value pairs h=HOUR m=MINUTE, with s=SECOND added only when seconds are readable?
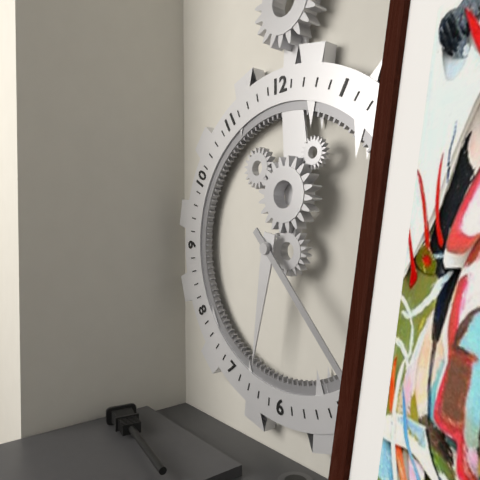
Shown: h=6 m=23
